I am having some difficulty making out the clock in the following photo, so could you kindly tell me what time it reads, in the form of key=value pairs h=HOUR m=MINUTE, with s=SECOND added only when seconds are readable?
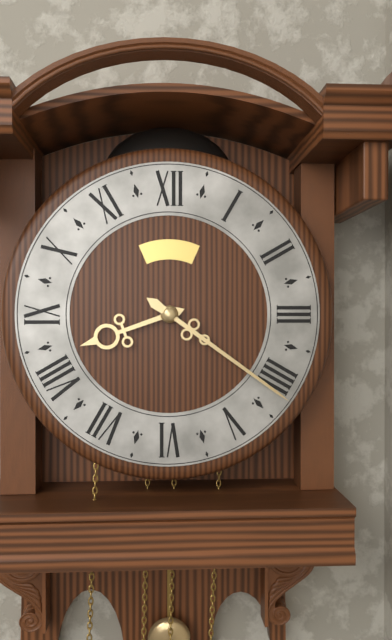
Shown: h=8 m=21
